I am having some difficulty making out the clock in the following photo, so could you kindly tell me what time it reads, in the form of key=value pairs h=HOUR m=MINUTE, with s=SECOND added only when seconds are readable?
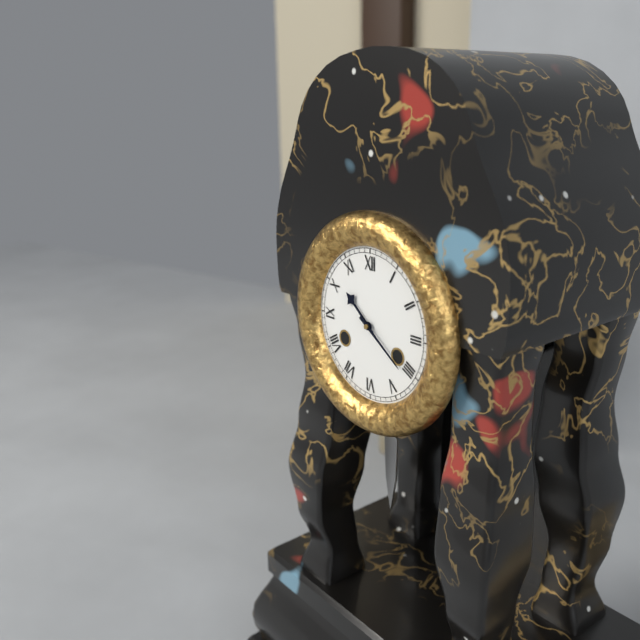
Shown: h=10 m=21
